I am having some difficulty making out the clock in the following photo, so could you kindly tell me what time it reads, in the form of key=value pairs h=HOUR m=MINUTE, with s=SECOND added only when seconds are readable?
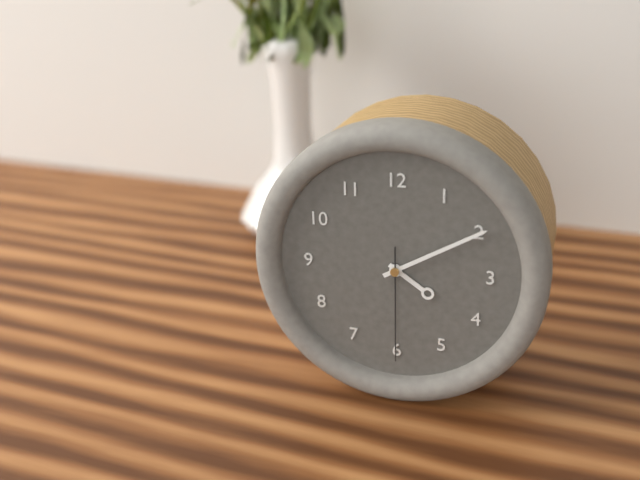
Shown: h=4 m=10 s=30
